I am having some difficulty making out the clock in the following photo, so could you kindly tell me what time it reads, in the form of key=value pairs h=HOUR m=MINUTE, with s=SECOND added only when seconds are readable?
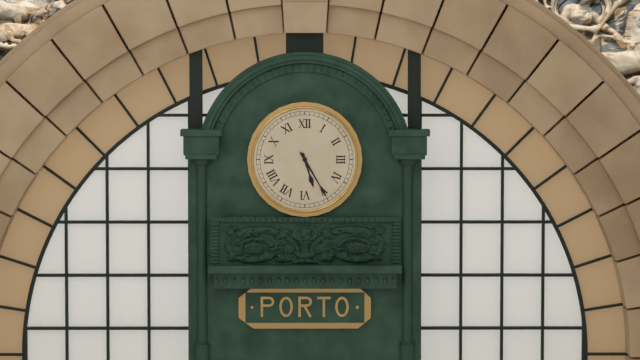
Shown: h=5 m=25
